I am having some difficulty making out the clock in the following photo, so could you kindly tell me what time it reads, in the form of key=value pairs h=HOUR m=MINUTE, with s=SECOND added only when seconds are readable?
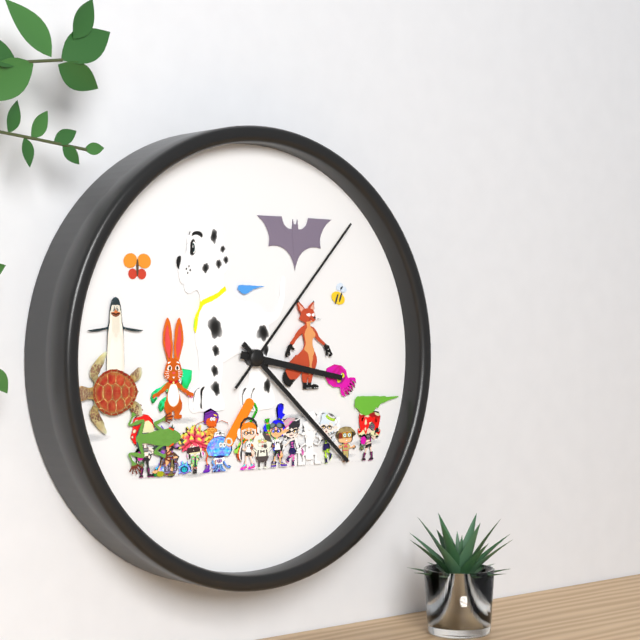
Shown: h=3 m=22 s=7
